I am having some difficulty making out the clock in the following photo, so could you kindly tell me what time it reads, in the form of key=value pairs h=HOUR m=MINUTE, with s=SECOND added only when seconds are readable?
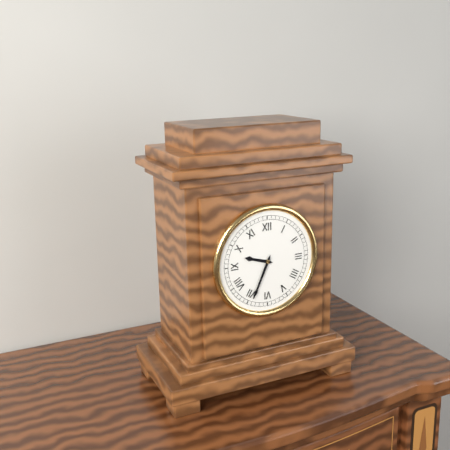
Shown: h=9 m=34
